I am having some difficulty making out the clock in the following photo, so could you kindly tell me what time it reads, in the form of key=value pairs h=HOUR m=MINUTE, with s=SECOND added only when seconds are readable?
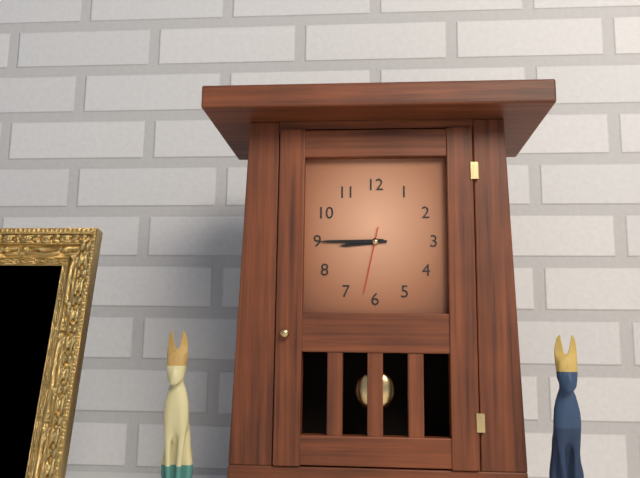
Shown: h=8 m=45 s=32
